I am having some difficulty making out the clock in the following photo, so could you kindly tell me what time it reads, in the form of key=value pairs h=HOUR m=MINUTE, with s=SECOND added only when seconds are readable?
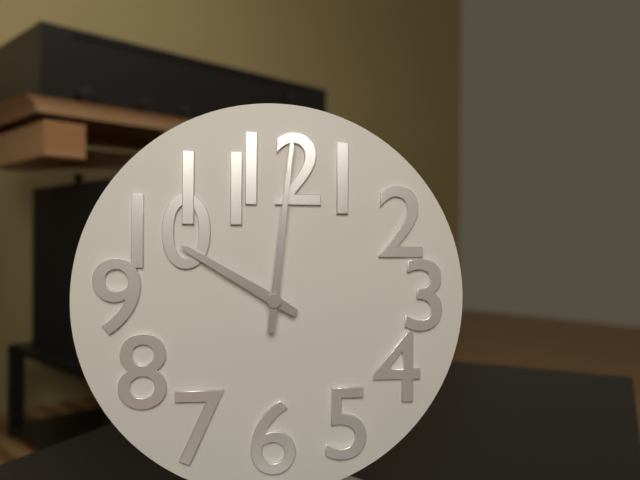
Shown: h=10 m=1
